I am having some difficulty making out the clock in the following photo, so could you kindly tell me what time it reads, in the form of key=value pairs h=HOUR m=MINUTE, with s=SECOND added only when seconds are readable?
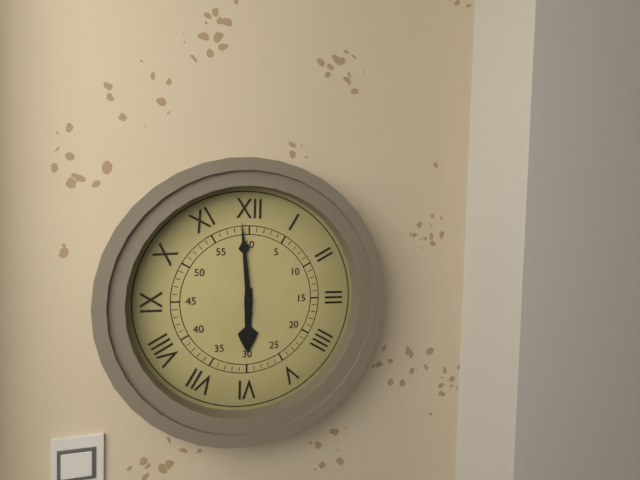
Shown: h=5 m=59
